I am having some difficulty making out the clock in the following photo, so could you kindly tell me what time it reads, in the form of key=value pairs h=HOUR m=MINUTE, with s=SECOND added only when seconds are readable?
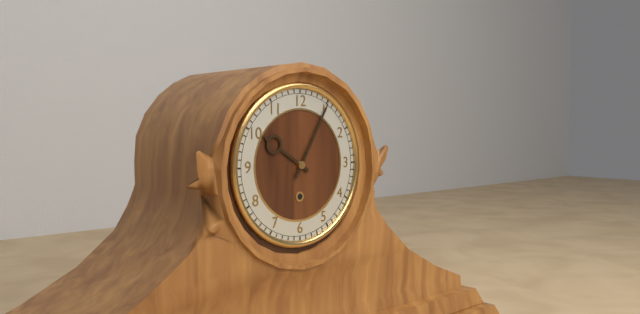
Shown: h=10 m=5
